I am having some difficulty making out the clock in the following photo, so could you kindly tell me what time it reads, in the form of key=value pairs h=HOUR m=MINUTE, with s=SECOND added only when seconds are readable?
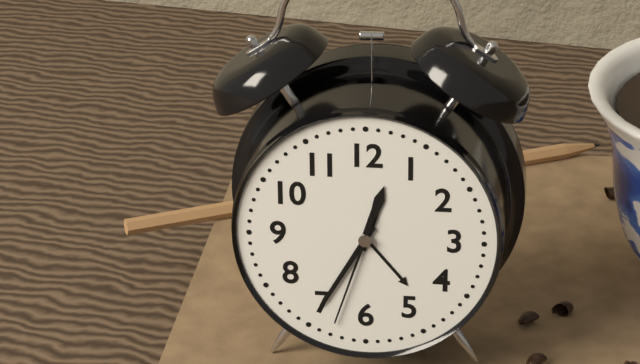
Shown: h=12 m=35 s=33
